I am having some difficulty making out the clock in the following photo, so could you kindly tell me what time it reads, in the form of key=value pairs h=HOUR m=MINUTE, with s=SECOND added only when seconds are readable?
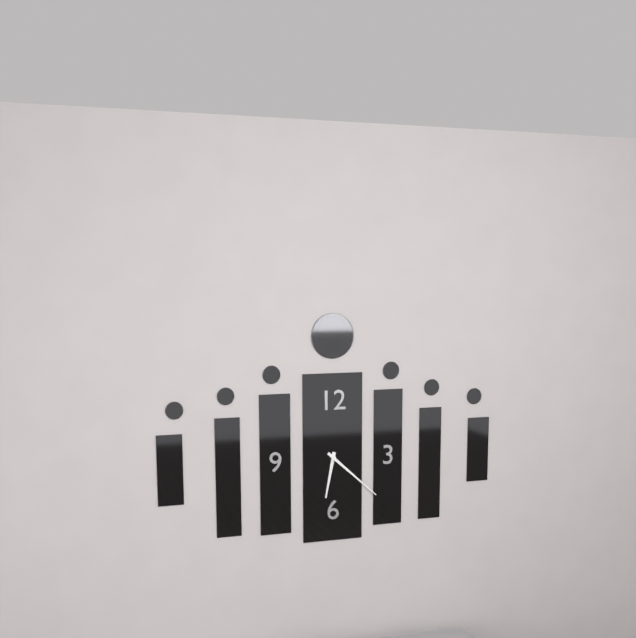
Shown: h=6 m=22
